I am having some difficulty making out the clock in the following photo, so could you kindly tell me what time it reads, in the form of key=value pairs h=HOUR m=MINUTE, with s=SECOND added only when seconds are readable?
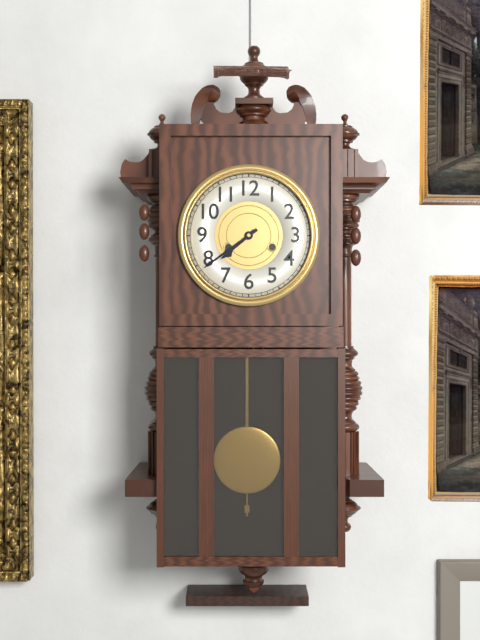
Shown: h=7 m=39
